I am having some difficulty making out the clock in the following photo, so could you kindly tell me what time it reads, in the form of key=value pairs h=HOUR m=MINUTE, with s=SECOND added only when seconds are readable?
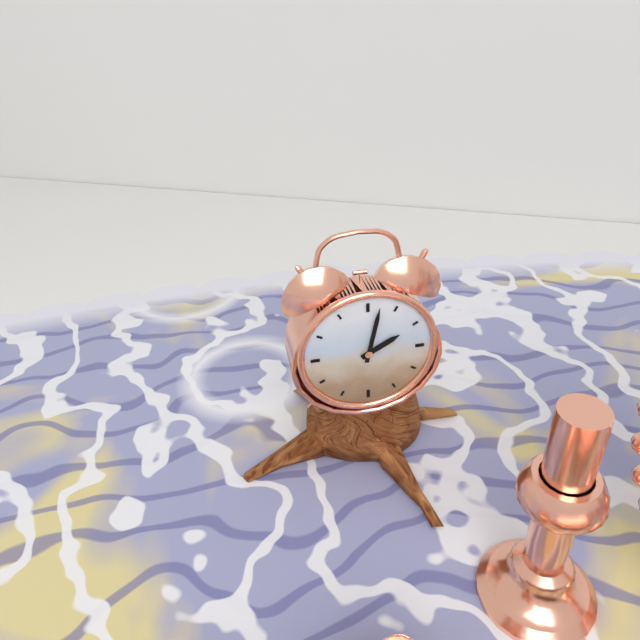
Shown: h=2 m=2
